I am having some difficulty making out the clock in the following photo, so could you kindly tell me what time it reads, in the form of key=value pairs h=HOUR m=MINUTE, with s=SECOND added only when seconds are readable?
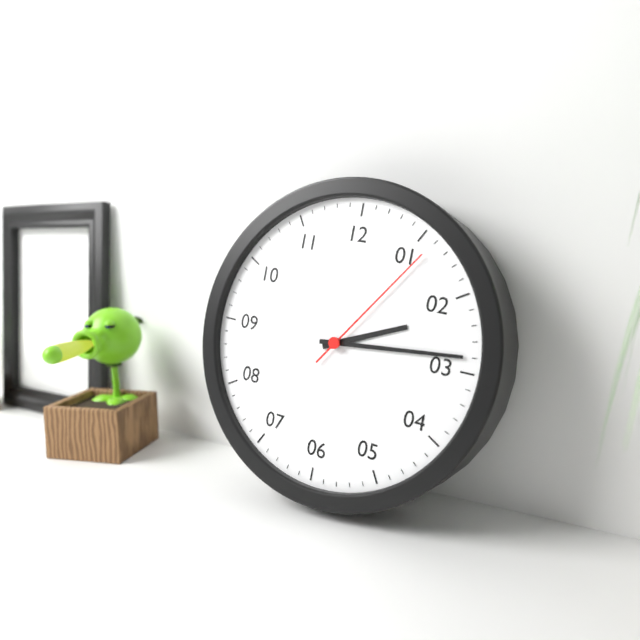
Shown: h=2 m=14 s=6
